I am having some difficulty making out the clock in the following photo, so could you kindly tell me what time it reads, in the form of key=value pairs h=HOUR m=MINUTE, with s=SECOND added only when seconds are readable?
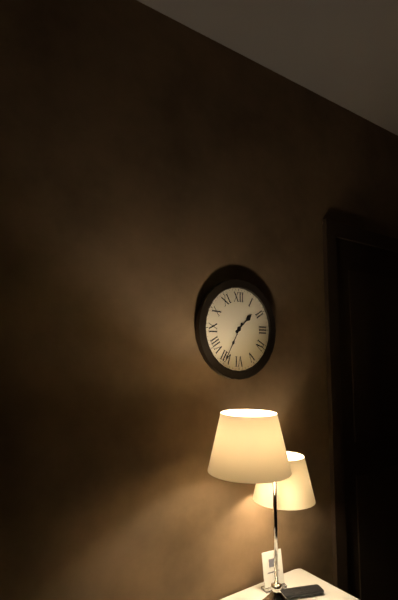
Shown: h=1 m=35
